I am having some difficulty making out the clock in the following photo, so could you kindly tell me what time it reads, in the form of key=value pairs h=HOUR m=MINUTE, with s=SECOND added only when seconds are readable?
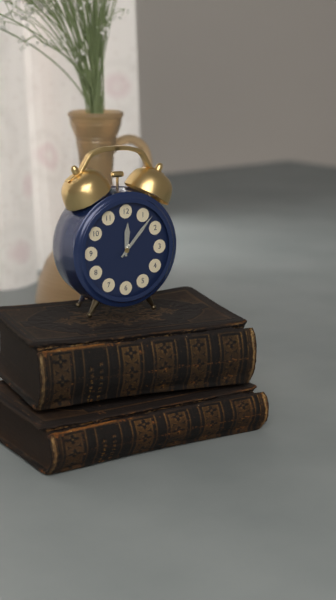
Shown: h=12 m=7
